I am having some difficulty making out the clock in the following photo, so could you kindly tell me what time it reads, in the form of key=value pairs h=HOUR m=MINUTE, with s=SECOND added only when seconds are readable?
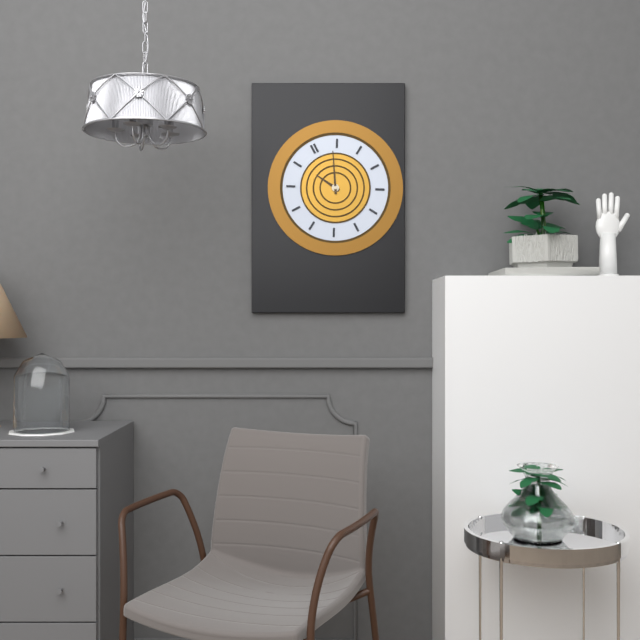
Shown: h=11 m=4
